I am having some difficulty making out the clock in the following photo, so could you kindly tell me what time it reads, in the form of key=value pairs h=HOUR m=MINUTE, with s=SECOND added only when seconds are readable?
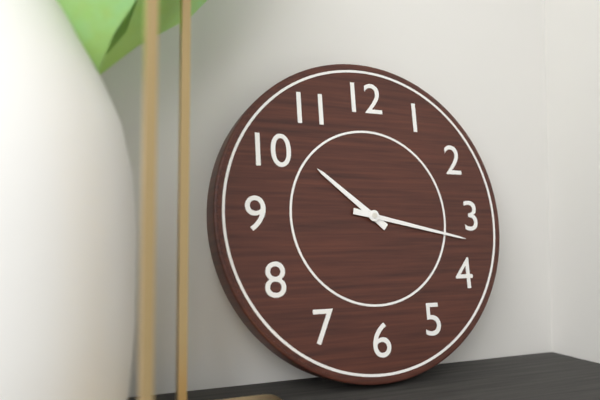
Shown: h=10 m=17
